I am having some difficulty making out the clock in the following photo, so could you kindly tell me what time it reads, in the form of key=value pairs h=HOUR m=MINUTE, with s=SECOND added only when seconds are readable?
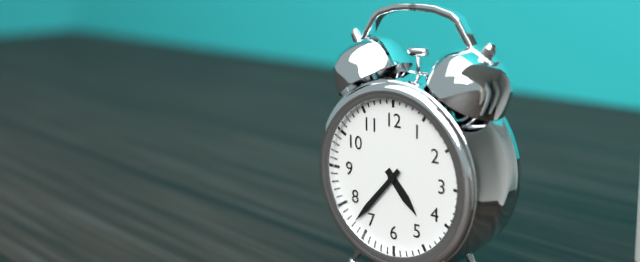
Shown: h=4 m=37
